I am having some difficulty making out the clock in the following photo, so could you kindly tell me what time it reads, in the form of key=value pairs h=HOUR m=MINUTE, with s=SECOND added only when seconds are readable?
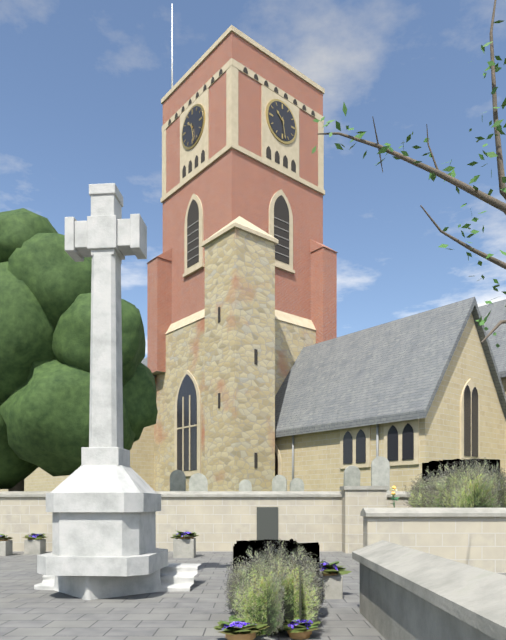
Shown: h=10 m=28
